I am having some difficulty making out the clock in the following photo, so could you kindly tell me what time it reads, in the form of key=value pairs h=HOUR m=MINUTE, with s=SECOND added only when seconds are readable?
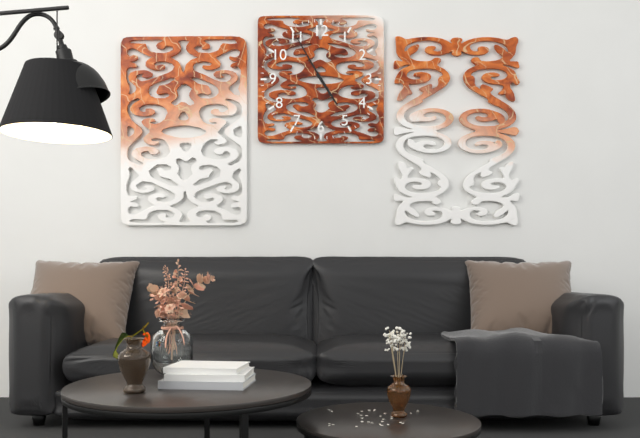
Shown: h=4 m=55
